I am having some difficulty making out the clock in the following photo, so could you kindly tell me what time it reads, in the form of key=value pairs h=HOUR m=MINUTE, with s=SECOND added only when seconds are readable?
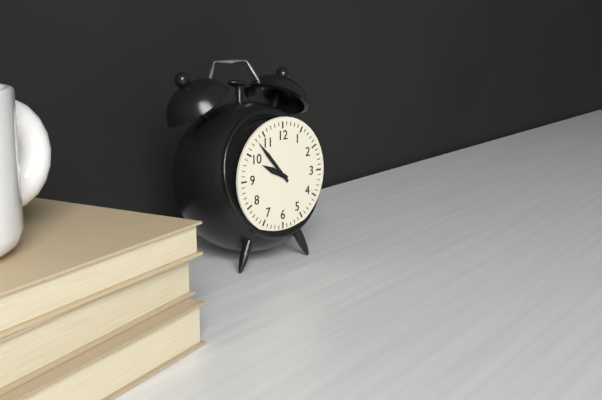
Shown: h=9 m=53
